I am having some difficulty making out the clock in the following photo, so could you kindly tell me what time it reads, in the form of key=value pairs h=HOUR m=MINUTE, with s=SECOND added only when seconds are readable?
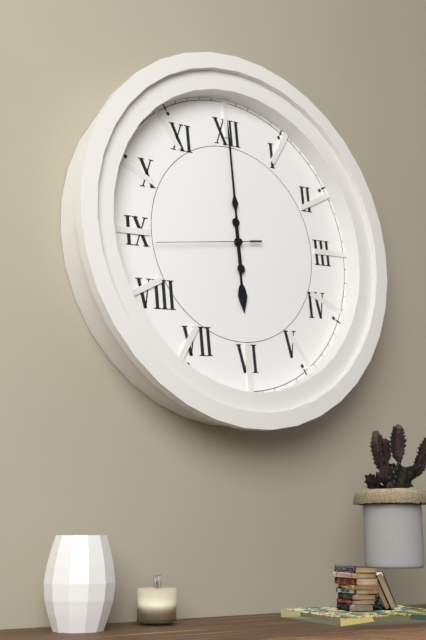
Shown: h=6 m=0 s=44
